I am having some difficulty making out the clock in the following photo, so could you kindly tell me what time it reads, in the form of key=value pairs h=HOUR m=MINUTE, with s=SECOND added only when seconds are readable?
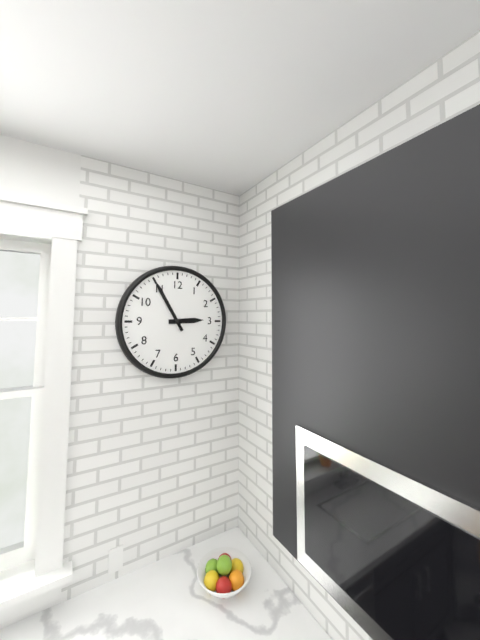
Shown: h=2 m=55
